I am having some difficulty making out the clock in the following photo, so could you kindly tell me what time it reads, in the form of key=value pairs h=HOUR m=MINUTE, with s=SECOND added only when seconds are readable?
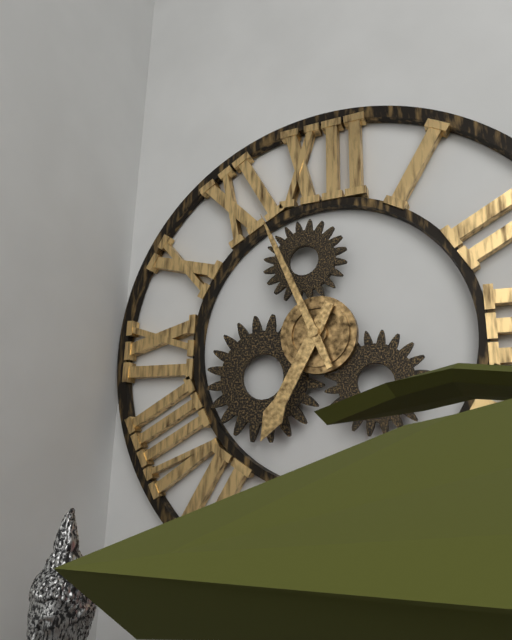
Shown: h=6 m=56
